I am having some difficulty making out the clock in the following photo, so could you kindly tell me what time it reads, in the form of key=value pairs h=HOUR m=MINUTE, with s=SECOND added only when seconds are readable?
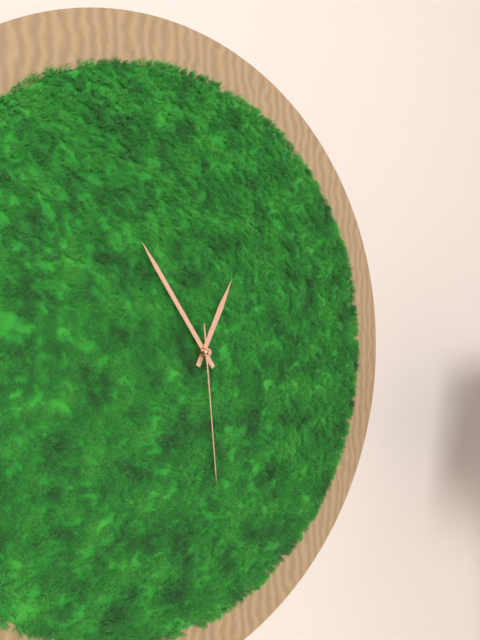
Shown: h=12 m=54 s=29
